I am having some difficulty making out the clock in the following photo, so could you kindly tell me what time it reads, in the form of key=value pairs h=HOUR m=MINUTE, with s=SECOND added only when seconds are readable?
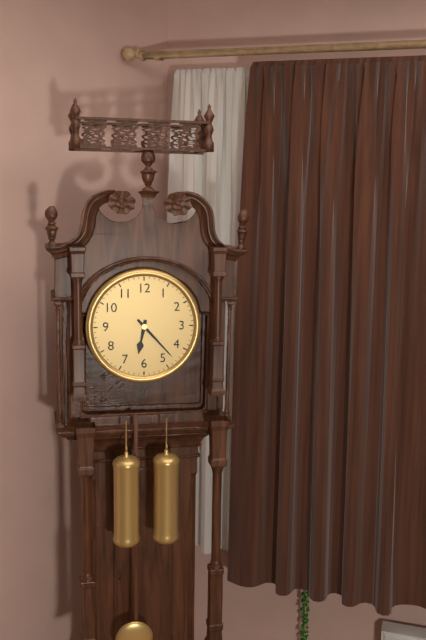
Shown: h=6 m=23
